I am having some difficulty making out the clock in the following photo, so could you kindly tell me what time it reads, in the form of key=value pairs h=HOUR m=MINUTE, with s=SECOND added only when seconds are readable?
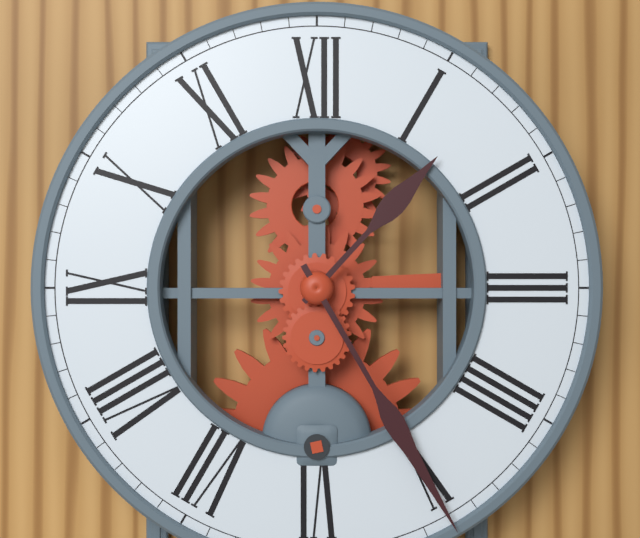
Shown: h=1 m=25
